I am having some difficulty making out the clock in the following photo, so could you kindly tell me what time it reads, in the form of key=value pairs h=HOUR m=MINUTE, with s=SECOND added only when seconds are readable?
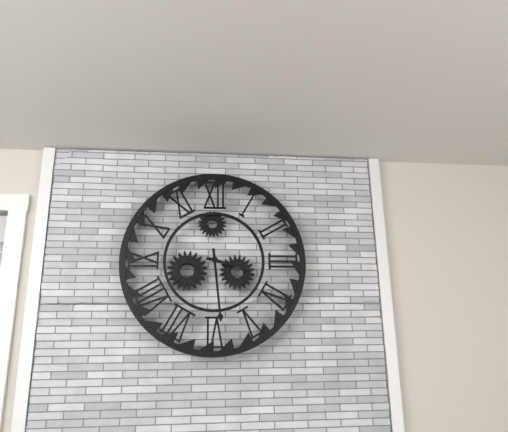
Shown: h=3 m=29
